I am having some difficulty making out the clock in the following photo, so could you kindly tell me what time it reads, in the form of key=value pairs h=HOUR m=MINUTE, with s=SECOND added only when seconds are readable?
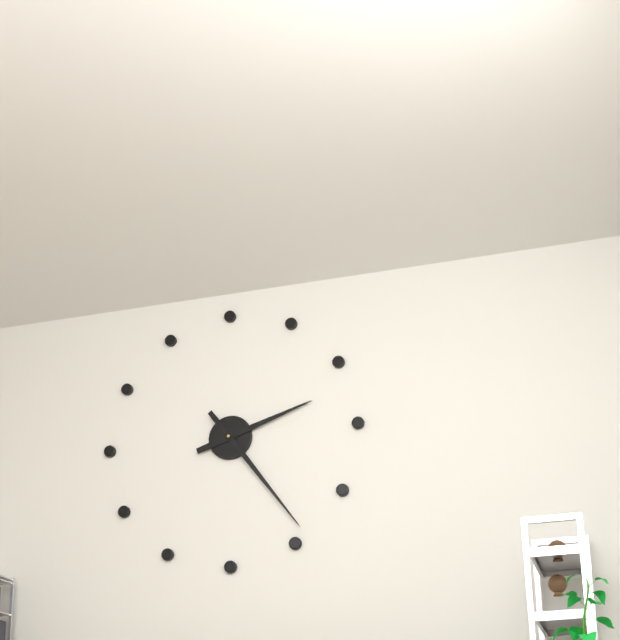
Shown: h=2 m=24
